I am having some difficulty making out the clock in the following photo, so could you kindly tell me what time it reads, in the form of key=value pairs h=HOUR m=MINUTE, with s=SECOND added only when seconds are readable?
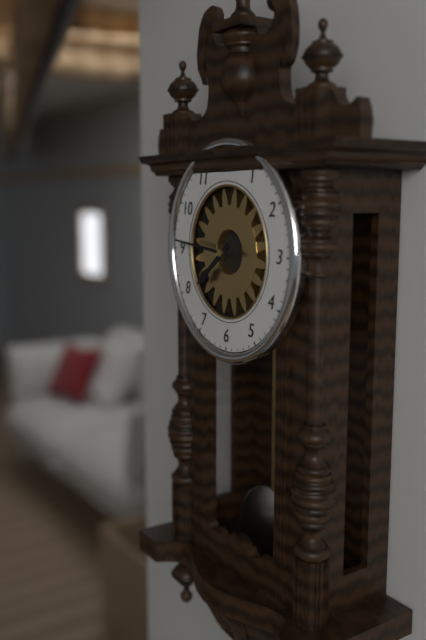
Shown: h=7 m=46
